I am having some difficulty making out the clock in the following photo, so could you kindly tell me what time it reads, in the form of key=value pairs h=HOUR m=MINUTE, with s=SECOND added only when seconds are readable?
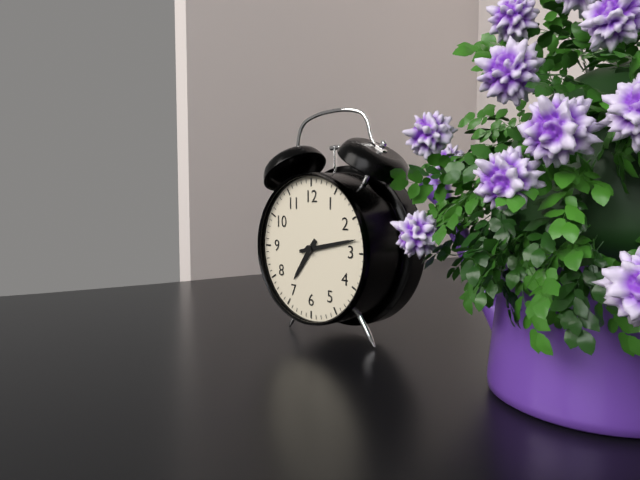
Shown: h=7 m=13
